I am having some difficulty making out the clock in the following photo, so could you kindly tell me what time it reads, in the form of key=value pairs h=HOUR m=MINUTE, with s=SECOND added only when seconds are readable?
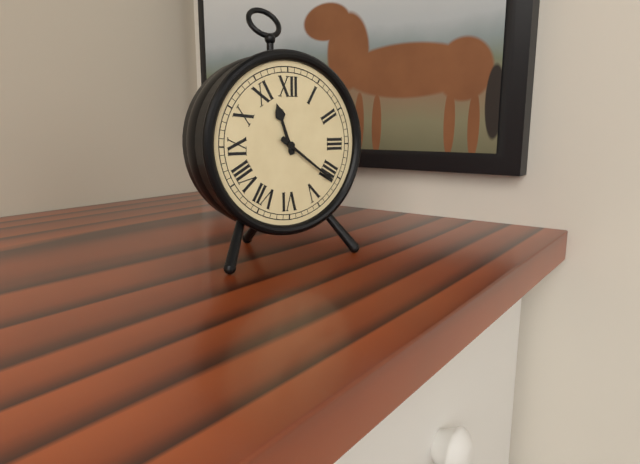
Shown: h=11 m=21
